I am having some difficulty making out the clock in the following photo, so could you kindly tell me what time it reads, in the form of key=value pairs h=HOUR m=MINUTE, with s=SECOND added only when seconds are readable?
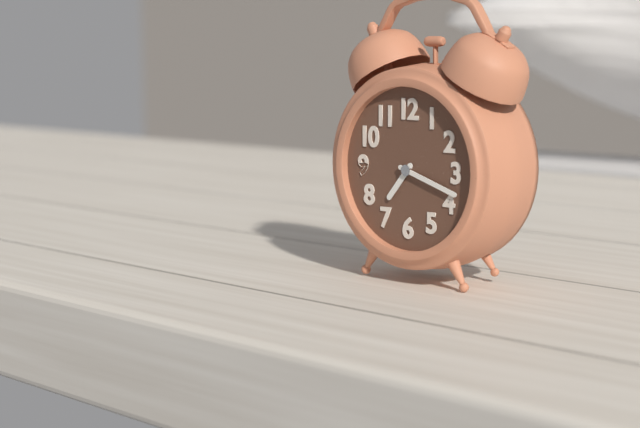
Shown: h=7 m=18
